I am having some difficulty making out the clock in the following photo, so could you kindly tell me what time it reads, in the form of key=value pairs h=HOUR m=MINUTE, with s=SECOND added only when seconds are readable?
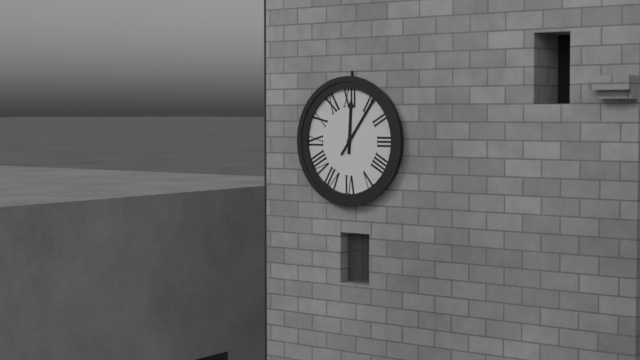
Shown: h=12 m=6
